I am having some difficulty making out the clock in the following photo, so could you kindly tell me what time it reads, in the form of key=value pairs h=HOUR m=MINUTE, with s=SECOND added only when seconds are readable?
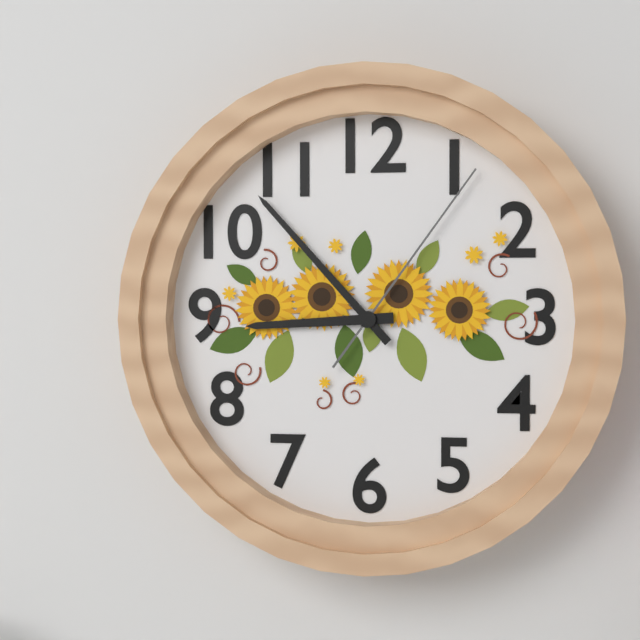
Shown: h=8 m=53 s=6
